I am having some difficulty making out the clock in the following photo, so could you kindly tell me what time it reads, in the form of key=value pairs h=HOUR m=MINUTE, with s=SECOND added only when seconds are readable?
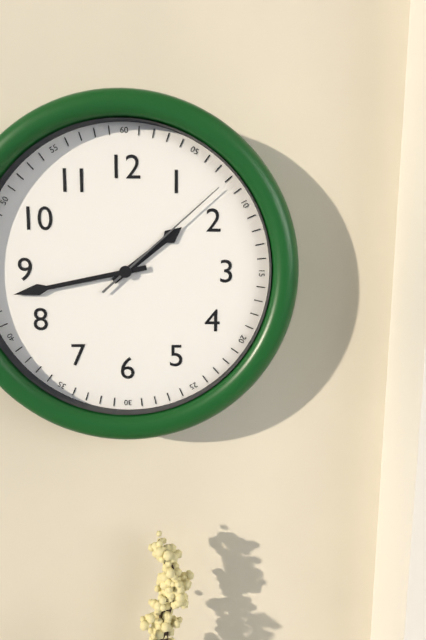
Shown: h=1 m=43 s=8
